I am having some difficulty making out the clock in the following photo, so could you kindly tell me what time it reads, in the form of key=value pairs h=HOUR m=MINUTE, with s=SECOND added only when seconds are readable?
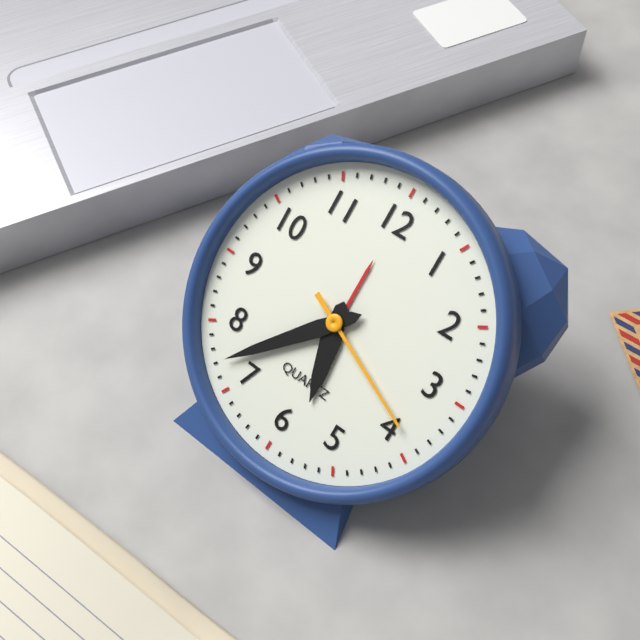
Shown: h=5 m=37 s=19
